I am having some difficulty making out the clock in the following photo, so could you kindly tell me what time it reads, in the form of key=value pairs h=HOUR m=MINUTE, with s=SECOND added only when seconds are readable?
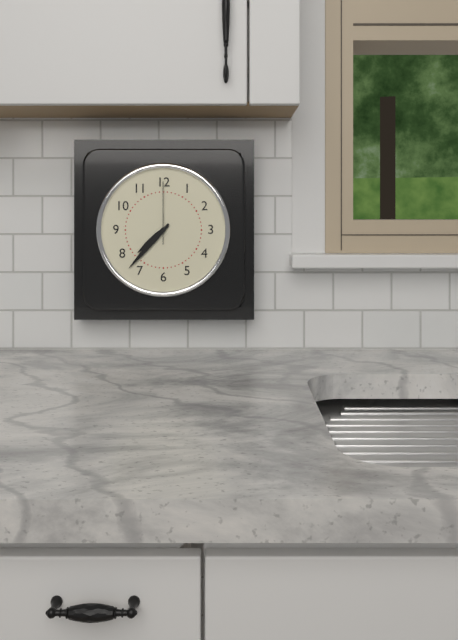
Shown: h=7 m=37 s=0
